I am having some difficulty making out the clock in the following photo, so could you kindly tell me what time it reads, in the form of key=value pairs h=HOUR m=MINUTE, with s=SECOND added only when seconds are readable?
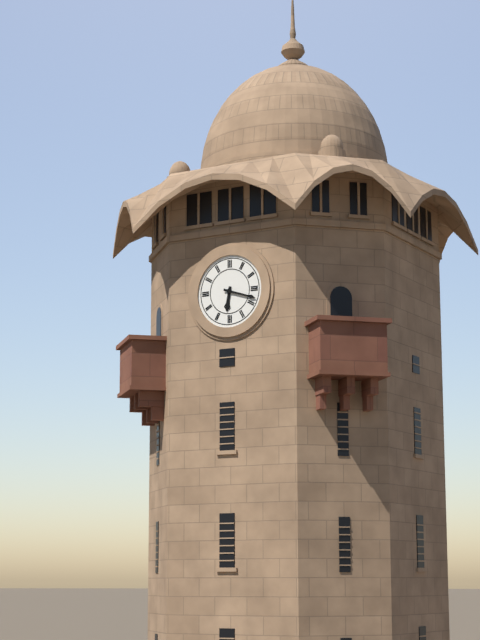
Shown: h=6 m=18
